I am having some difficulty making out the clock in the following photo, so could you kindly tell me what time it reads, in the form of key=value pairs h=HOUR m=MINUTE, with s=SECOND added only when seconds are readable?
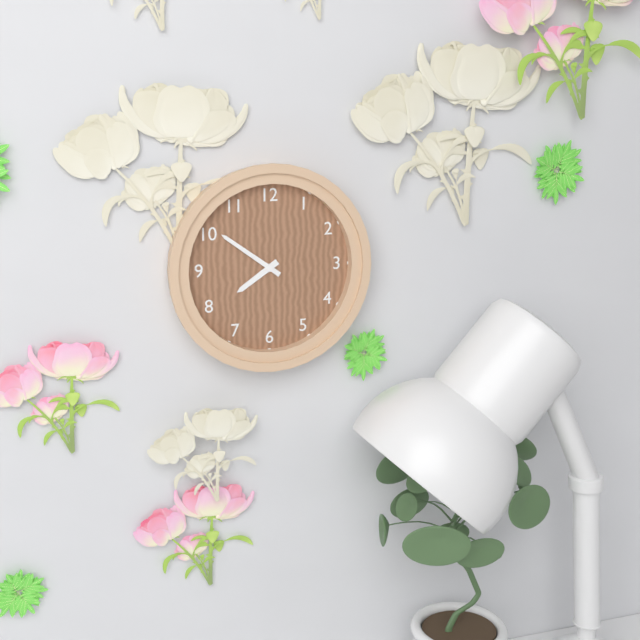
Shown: h=7 m=51
